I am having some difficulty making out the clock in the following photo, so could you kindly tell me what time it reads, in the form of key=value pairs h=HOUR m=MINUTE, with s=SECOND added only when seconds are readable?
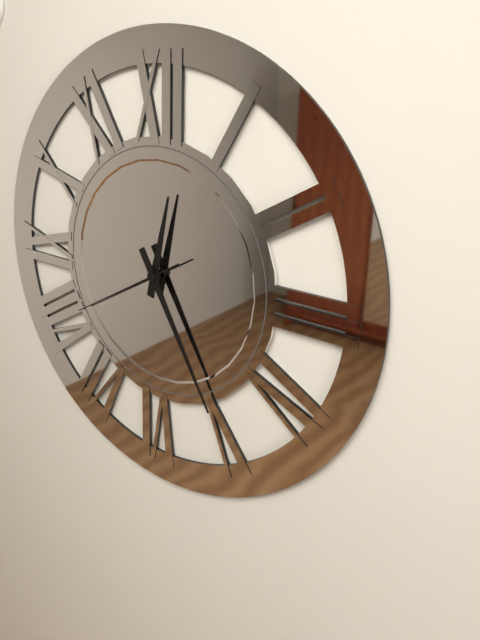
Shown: h=12 m=25 s=40
